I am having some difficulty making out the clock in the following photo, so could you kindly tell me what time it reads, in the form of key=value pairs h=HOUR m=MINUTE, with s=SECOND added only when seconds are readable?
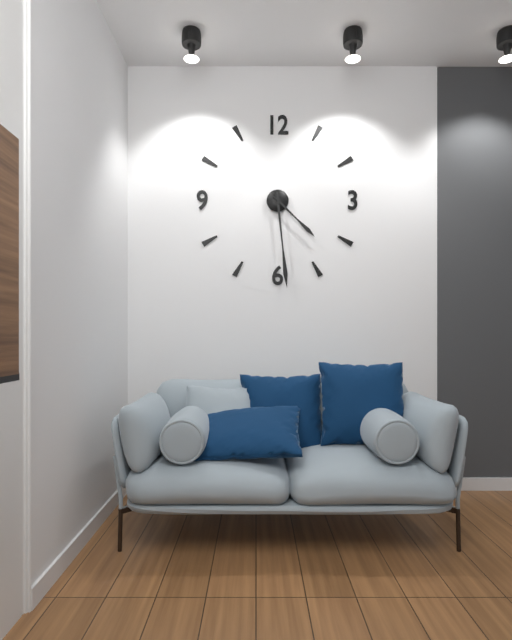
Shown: h=4 m=29
